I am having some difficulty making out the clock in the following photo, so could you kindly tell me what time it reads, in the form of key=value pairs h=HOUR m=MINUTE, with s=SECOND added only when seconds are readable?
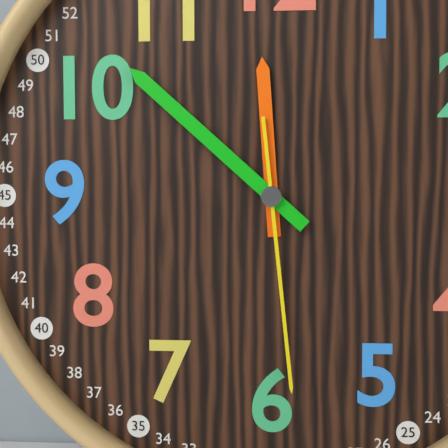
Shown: h=11 m=52 s=29
